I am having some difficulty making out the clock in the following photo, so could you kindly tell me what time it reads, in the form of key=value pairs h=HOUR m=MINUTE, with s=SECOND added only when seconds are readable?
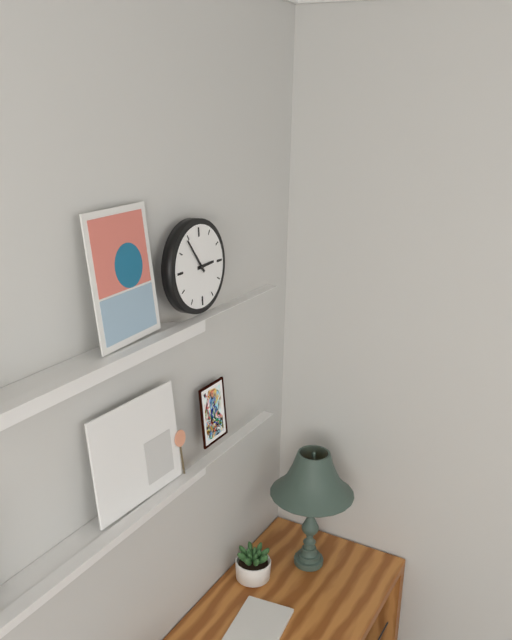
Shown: h=2 m=54
